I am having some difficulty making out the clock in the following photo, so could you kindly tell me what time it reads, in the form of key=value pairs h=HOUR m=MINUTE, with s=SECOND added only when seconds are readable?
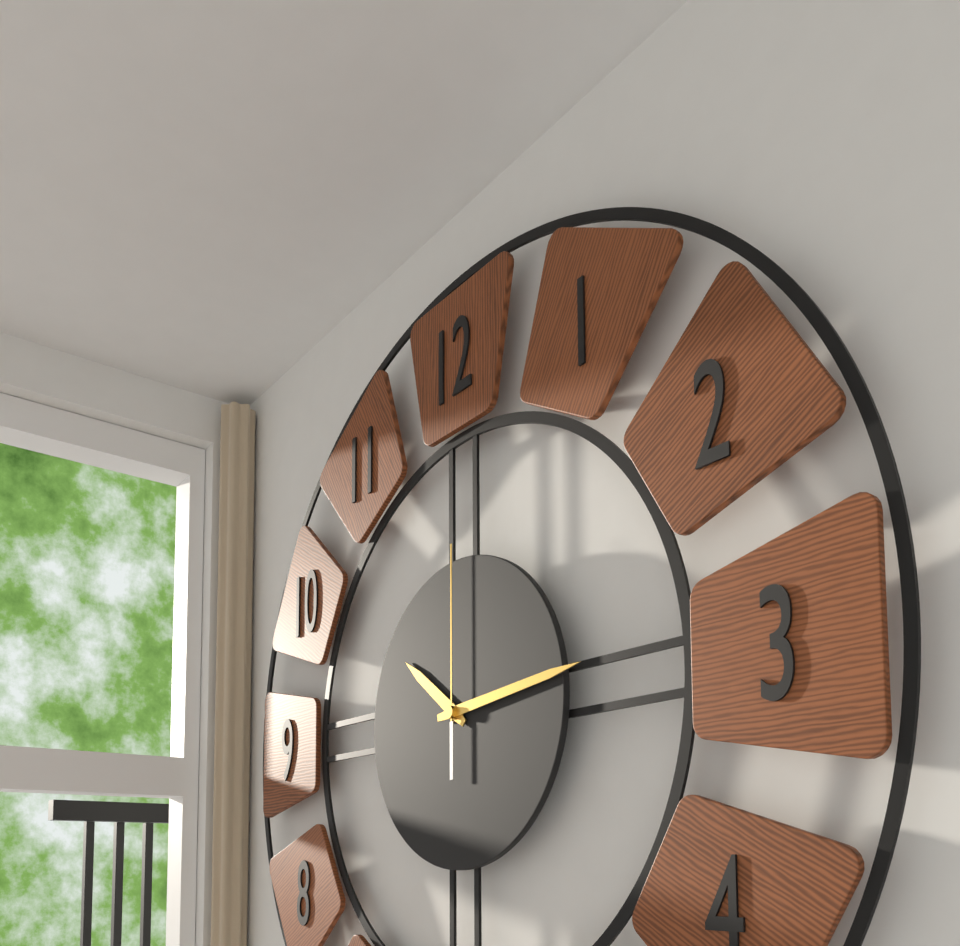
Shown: h=10 m=14 s=0
